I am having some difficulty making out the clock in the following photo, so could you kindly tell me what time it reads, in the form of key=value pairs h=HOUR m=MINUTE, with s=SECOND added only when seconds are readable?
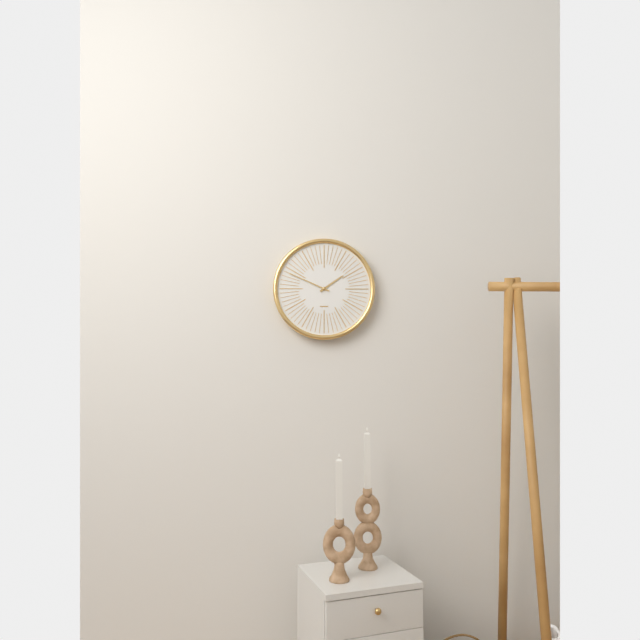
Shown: h=1 m=49
